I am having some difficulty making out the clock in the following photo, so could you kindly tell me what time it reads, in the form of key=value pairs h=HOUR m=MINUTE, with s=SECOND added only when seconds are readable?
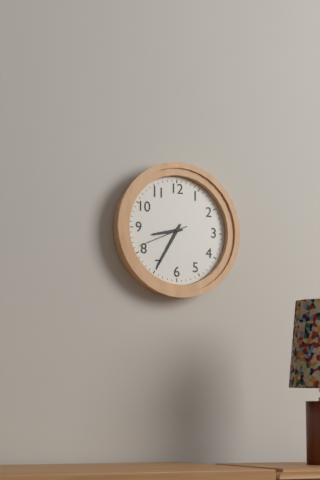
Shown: h=8 m=35 s=41
